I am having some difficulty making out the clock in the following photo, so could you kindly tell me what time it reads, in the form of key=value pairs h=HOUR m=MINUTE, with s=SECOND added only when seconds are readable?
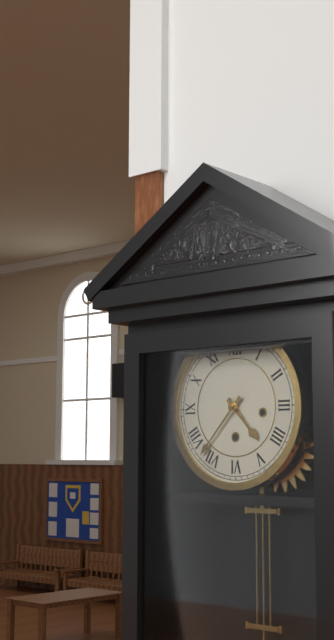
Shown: h=4 m=37
